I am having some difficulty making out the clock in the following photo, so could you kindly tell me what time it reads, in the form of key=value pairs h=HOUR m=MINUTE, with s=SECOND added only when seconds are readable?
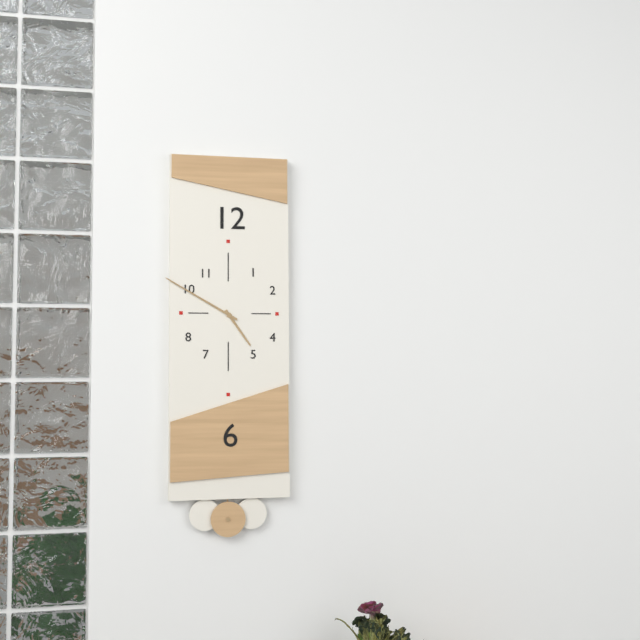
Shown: h=4 m=50
